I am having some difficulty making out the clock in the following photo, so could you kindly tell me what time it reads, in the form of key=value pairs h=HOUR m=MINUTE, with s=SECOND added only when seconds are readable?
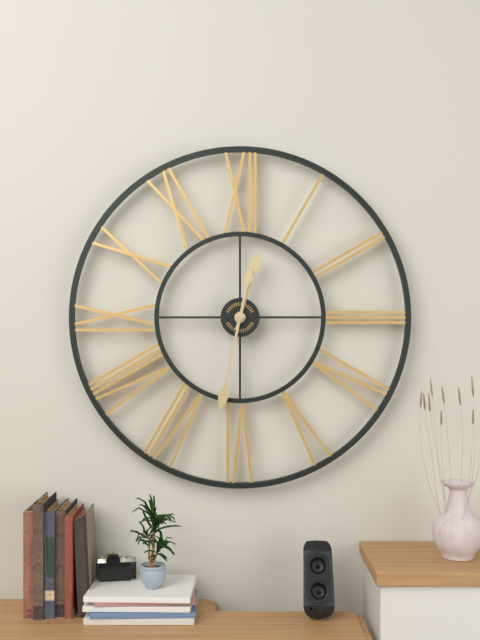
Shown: h=12 m=32
